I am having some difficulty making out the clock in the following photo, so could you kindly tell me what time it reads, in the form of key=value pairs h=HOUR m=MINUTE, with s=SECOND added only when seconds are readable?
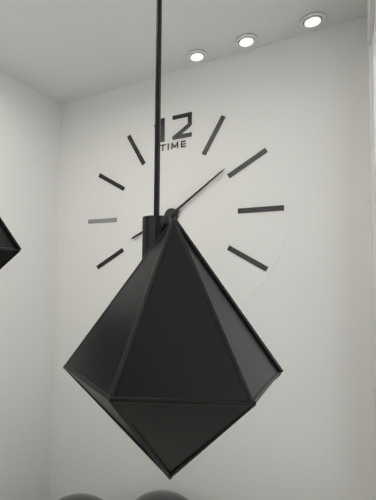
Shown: h=8 m=9
